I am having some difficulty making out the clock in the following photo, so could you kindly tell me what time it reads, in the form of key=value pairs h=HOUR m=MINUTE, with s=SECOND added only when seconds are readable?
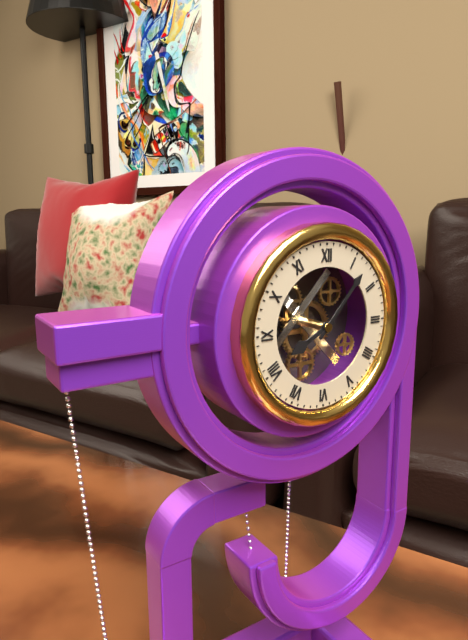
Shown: h=8 m=7
